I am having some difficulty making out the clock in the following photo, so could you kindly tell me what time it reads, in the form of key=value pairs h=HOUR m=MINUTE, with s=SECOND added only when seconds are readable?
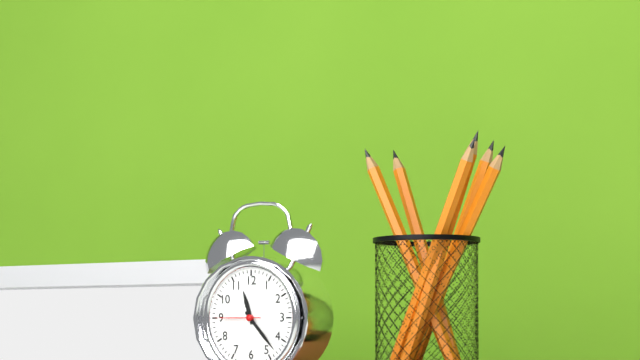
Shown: h=11 m=23
